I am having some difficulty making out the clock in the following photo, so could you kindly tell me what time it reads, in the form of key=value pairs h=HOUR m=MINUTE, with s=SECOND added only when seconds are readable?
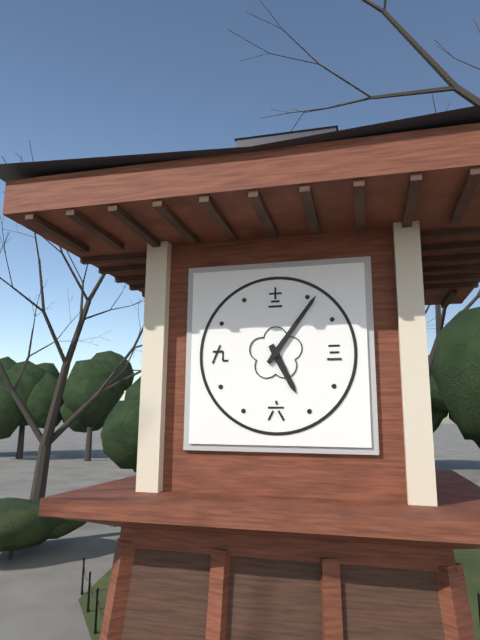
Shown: h=5 m=6
